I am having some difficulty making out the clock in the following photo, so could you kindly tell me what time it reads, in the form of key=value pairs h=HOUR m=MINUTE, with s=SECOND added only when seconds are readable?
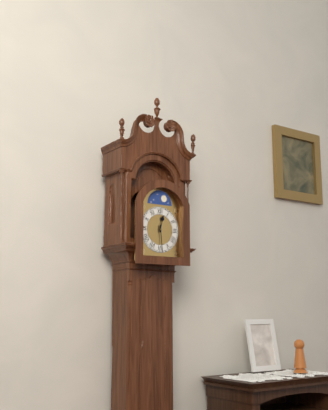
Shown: h=12 m=29
